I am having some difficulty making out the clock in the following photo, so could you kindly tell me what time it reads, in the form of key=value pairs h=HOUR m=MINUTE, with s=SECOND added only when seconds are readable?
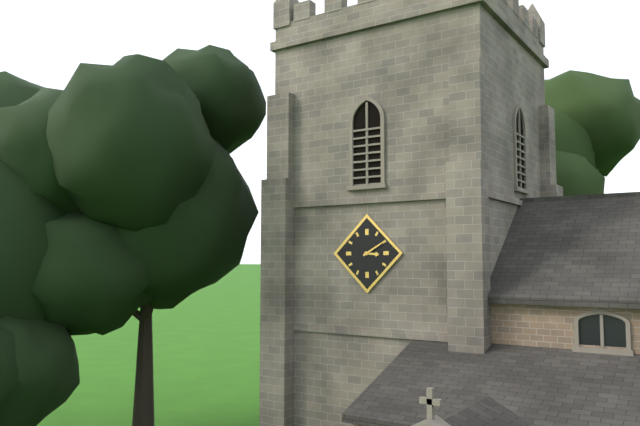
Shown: h=3 m=10
